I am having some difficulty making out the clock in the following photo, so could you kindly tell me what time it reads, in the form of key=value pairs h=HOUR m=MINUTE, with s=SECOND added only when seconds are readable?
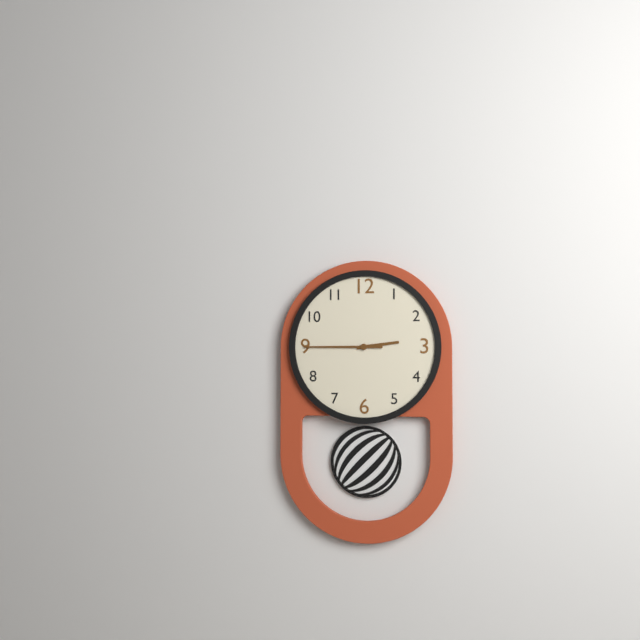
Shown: h=2 m=45
